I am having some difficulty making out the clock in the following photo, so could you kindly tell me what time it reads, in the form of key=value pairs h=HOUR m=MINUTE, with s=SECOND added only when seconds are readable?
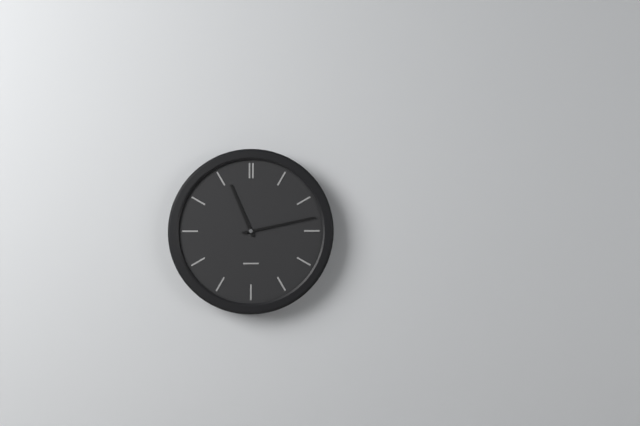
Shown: h=11 m=13
